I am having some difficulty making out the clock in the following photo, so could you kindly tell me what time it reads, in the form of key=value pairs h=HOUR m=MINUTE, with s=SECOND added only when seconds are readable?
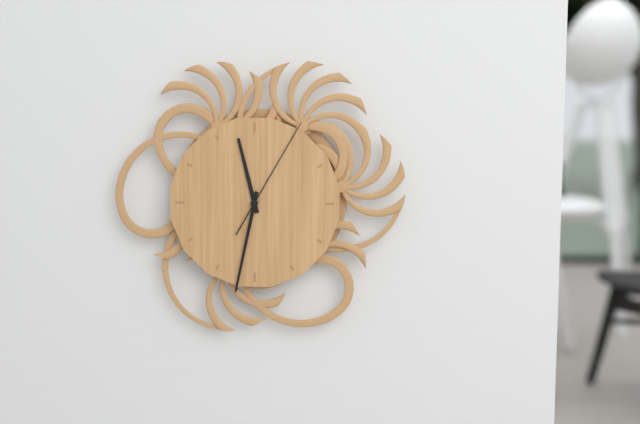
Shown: h=11 m=32 s=5
